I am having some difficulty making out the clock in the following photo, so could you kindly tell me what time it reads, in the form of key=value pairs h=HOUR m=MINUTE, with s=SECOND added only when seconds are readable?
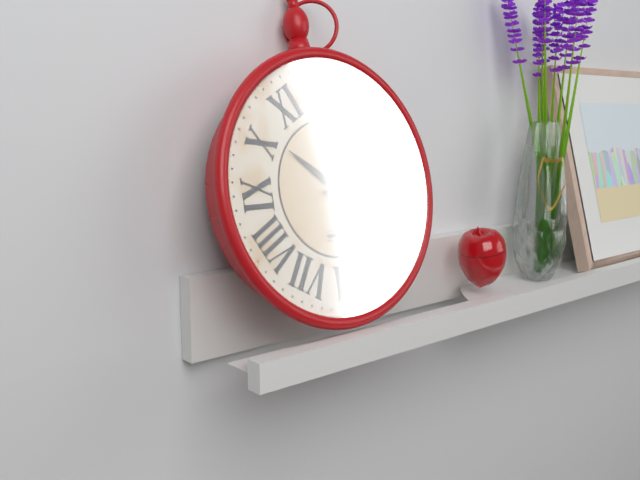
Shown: h=10 m=13
